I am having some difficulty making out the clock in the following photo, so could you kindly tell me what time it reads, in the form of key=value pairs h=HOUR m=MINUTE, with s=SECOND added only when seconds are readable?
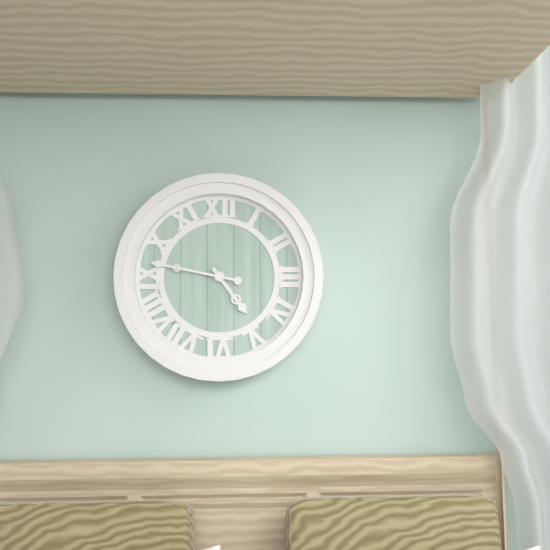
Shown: h=4 m=47
